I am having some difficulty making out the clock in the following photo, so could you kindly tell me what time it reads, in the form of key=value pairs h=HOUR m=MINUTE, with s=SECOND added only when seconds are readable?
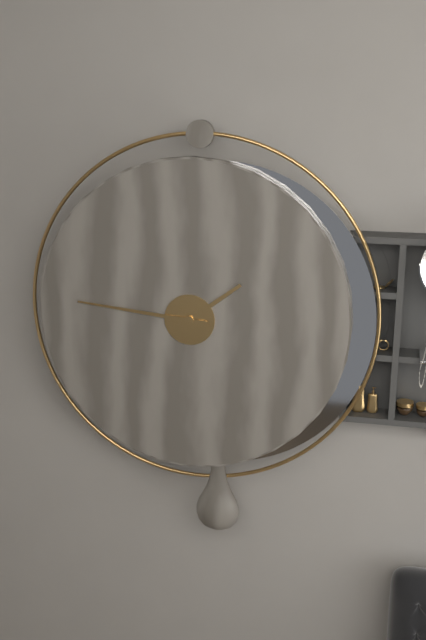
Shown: h=1 m=46
